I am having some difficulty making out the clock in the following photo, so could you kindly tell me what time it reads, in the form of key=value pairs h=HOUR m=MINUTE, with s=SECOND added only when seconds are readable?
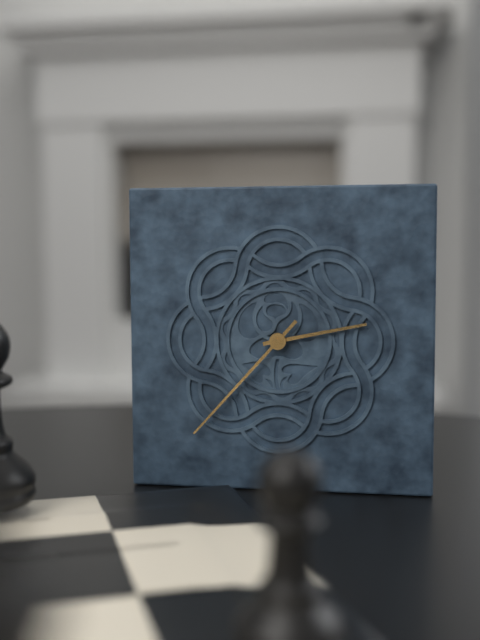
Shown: h=2 m=37
